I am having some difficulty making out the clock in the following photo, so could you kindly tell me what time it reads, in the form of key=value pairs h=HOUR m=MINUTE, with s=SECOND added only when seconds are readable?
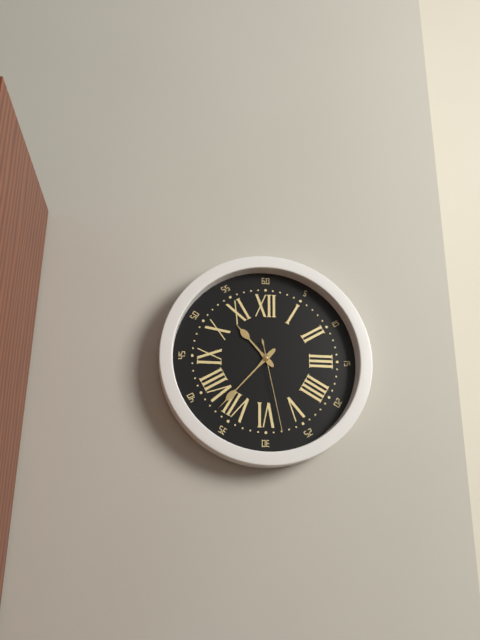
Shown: h=10 m=37 s=28
